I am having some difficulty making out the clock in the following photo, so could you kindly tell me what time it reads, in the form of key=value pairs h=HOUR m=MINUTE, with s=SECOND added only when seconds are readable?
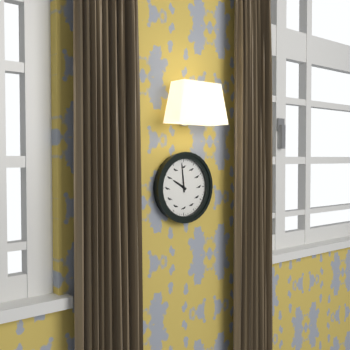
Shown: h=9 m=59
